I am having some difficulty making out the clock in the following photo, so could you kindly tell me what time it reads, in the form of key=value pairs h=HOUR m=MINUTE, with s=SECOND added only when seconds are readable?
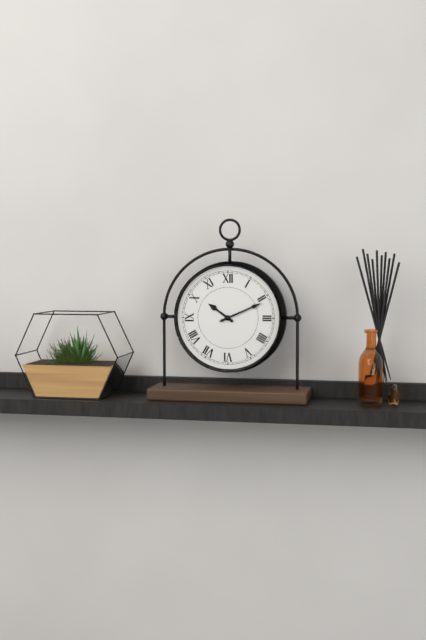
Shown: h=10 m=11
